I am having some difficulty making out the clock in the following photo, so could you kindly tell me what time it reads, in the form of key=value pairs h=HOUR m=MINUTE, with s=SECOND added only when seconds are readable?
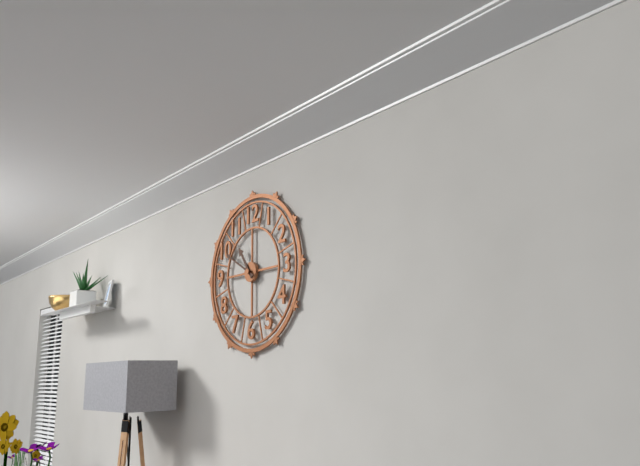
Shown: h=10 m=50
